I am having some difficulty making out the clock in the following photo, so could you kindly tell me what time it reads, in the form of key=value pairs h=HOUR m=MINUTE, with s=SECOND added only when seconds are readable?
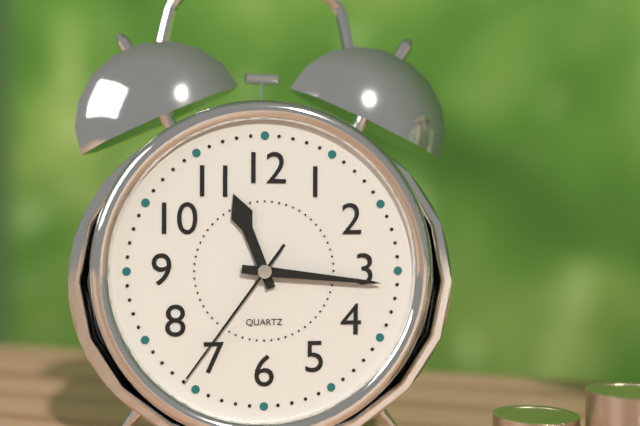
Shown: h=11 m=16 s=36
